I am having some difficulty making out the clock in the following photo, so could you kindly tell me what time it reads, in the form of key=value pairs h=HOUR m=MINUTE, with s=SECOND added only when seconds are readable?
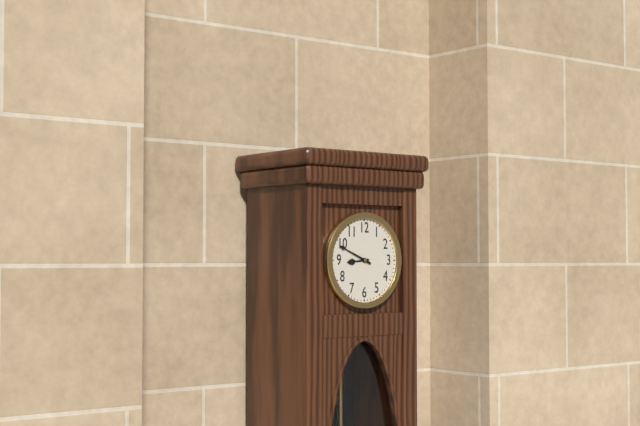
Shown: h=8 m=49
